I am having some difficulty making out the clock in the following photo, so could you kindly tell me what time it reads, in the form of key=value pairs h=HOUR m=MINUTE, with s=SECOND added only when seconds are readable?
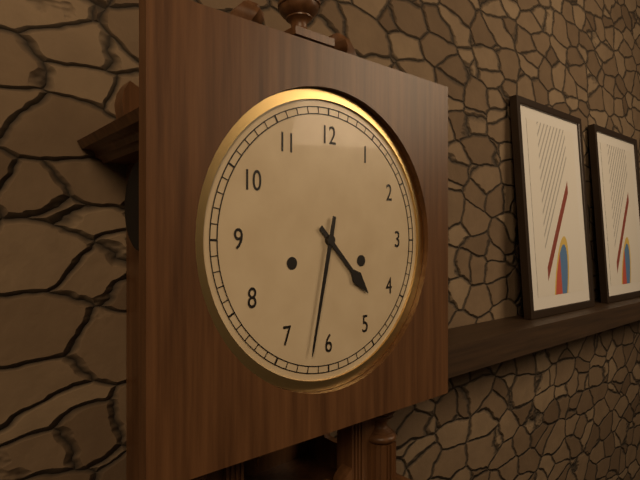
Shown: h=4 m=32
